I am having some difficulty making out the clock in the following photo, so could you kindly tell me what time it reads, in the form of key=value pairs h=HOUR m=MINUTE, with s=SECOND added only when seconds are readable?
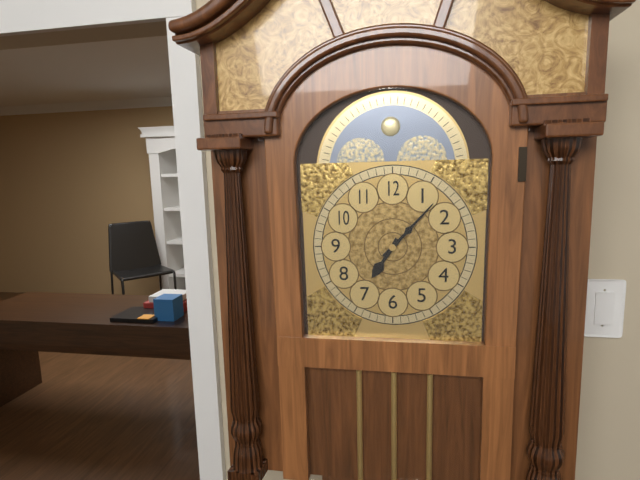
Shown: h=7 m=7
